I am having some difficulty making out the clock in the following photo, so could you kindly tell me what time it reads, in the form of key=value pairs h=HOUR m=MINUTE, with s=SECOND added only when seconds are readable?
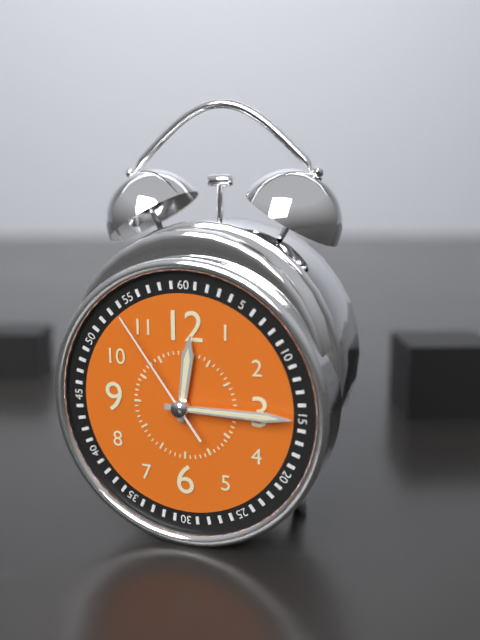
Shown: h=12 m=15 s=54
